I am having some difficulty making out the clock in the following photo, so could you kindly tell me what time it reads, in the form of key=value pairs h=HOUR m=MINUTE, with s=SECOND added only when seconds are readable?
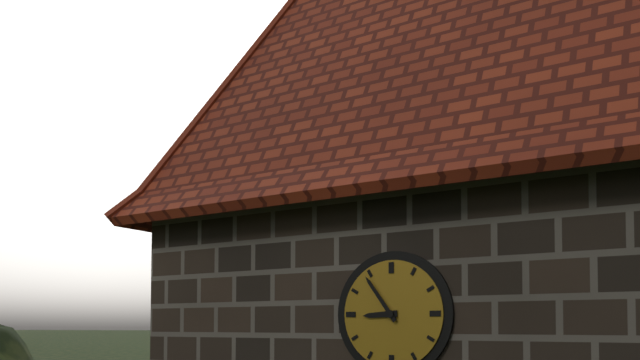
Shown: h=8 m=54
